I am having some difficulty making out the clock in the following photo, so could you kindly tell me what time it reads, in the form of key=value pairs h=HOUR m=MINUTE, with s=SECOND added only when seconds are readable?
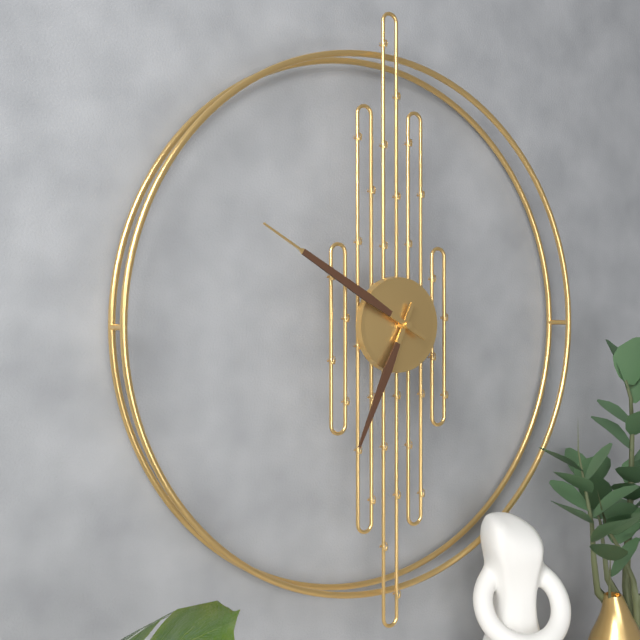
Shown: h=6 m=50
